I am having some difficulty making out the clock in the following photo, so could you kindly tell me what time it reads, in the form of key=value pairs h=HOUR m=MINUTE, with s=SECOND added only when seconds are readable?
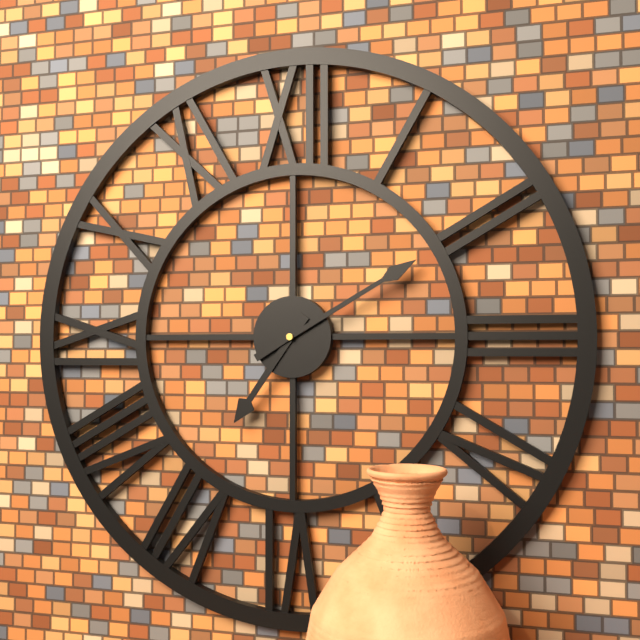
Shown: h=7 m=10
